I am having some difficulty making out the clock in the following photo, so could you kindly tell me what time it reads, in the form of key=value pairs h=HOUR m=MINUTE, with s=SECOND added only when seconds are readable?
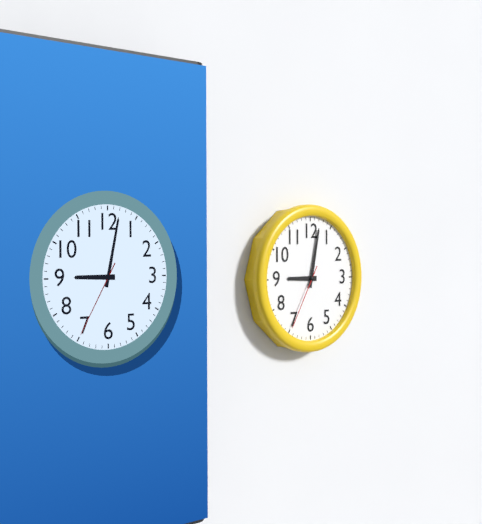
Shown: h=9 m=2 s=35
